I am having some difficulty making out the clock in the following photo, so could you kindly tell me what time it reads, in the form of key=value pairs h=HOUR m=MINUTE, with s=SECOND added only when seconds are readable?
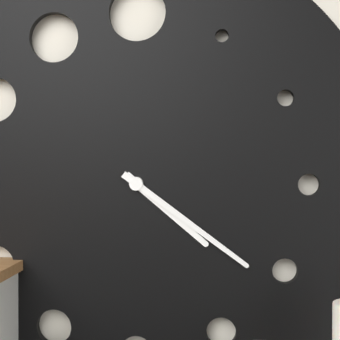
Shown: h=4 m=21
